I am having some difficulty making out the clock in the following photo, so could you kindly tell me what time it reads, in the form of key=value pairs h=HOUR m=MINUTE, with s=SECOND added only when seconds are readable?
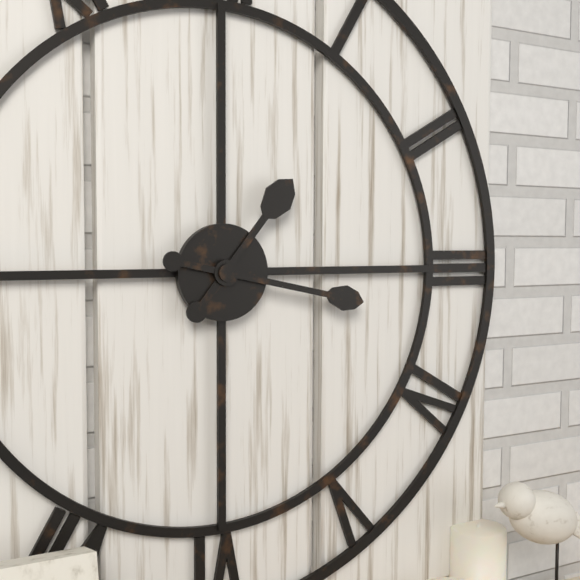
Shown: h=1 m=17
